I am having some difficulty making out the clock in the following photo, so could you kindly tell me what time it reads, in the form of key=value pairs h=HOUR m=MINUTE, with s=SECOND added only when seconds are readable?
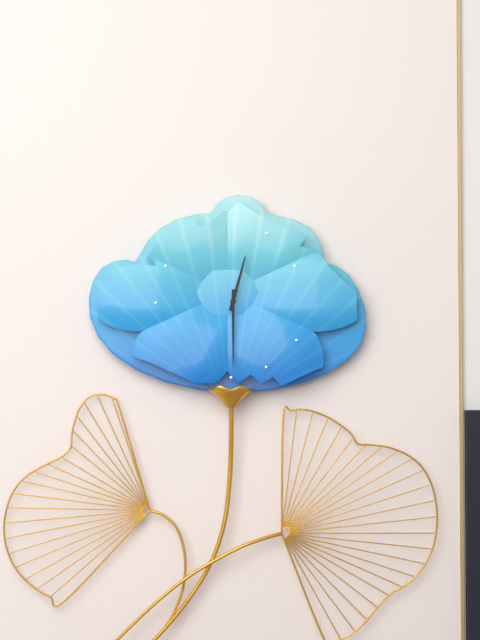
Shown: h=12 m=30
